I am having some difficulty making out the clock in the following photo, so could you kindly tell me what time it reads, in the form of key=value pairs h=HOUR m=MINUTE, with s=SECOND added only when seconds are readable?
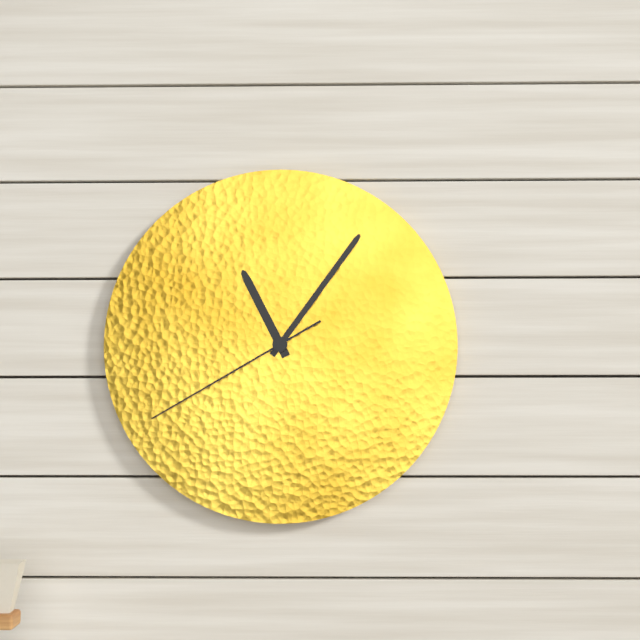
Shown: h=11 m=6 s=40
